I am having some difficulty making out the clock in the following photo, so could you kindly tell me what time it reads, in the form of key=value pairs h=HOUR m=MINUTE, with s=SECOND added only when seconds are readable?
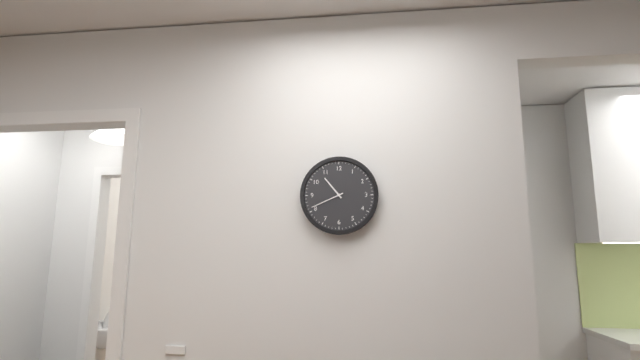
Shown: h=10 m=41
